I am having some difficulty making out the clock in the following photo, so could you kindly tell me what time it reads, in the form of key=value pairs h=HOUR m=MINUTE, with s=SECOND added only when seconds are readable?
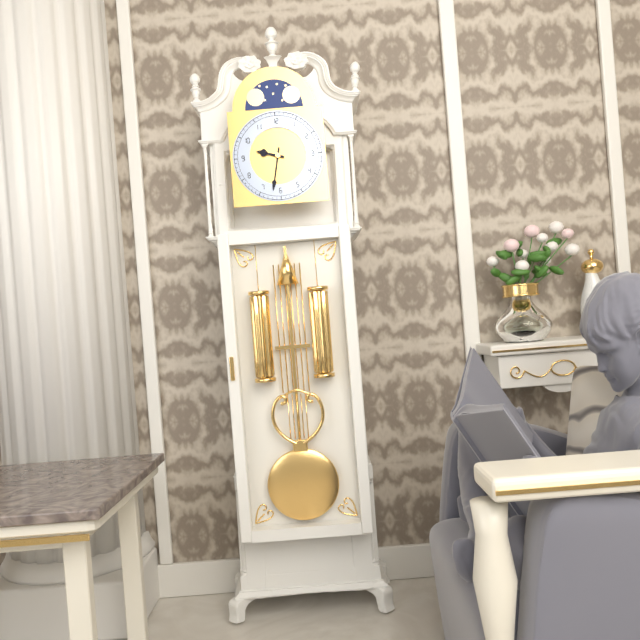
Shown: h=9 m=32
